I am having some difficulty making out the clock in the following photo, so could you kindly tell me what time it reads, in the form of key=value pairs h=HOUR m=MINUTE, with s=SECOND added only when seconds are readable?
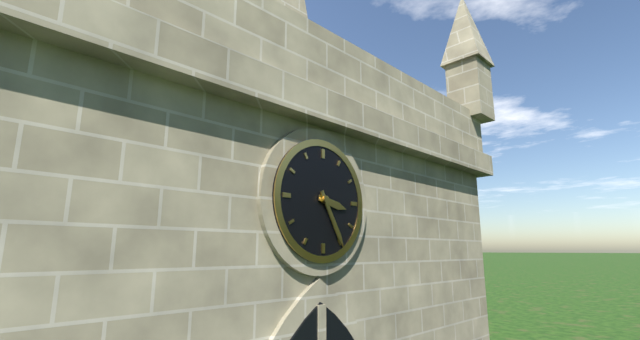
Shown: h=3 m=25
